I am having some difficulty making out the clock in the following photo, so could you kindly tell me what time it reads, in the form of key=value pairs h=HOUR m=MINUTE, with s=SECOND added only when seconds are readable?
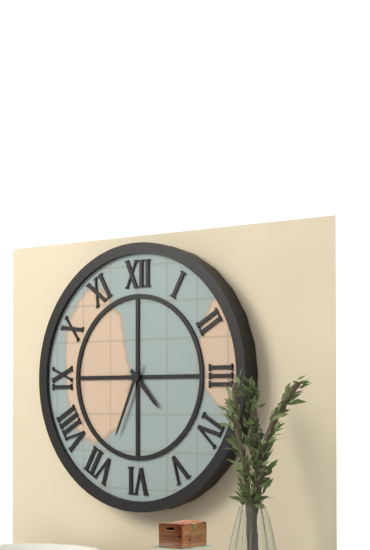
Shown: h=4 m=34
